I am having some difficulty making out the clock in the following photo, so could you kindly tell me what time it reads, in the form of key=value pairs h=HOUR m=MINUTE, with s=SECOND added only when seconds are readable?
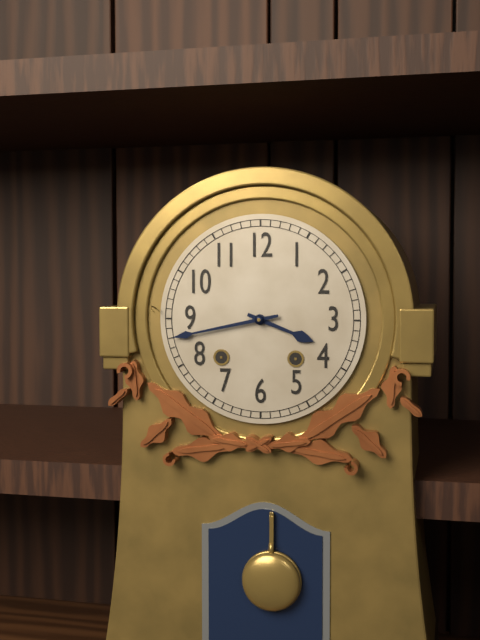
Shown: h=3 m=43
